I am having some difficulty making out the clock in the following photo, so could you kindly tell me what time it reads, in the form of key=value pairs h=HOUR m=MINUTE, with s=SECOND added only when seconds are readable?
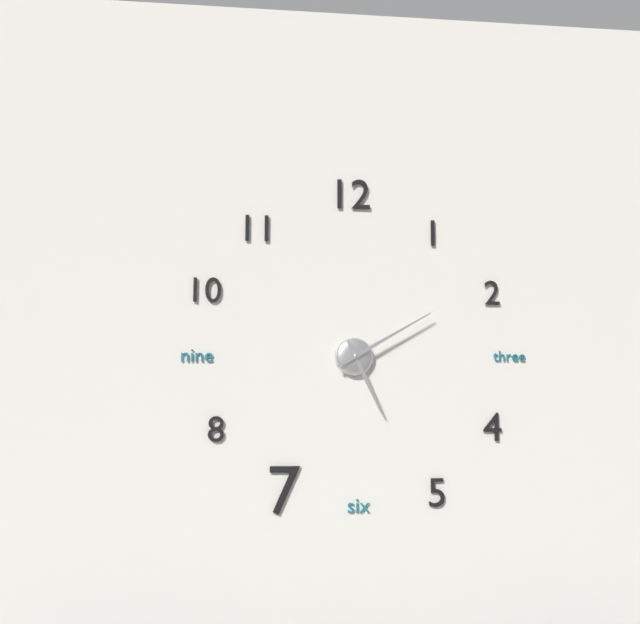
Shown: h=5 m=10
